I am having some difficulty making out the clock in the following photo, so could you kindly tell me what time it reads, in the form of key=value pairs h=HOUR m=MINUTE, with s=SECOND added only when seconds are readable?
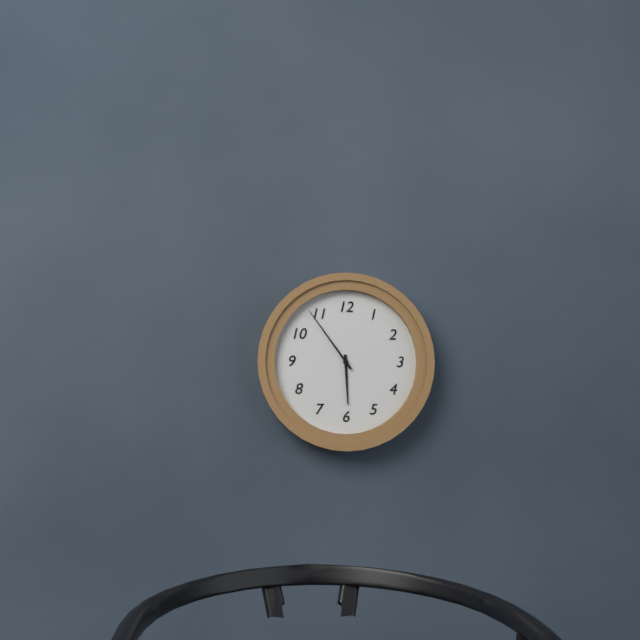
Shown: h=5 m=54
